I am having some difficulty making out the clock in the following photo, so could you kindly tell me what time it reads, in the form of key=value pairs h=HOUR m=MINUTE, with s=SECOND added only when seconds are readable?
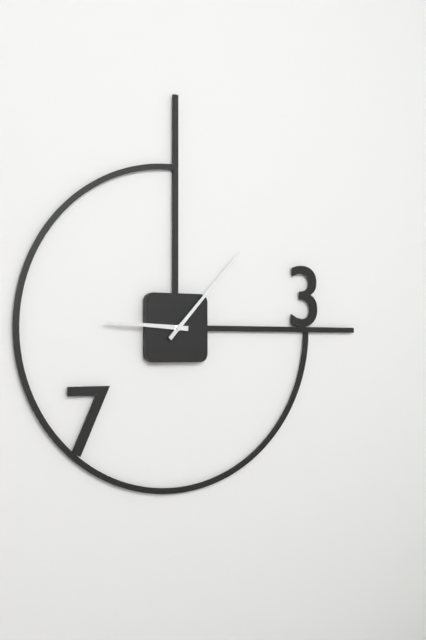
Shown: h=9 m=7
